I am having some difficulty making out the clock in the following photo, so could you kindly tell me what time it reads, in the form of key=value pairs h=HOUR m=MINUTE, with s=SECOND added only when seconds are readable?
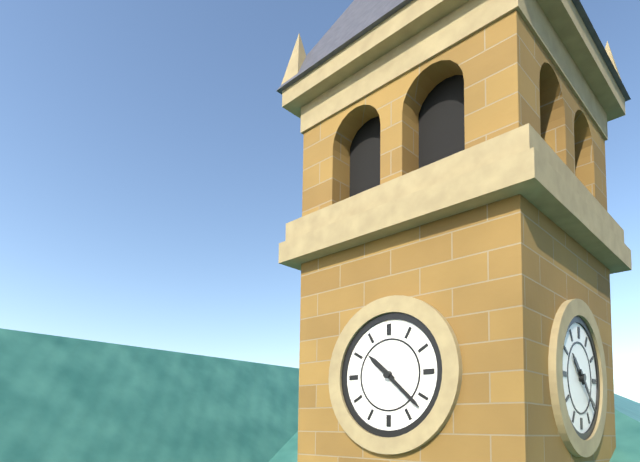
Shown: h=10 m=22
